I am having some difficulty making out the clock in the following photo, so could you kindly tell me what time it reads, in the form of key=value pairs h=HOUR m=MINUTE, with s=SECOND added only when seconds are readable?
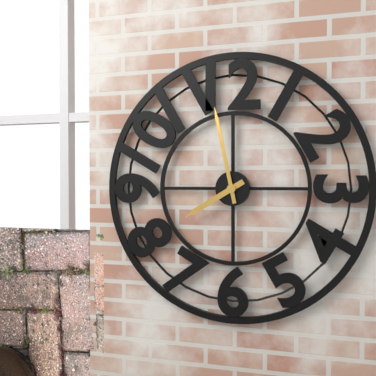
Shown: h=7 m=58
